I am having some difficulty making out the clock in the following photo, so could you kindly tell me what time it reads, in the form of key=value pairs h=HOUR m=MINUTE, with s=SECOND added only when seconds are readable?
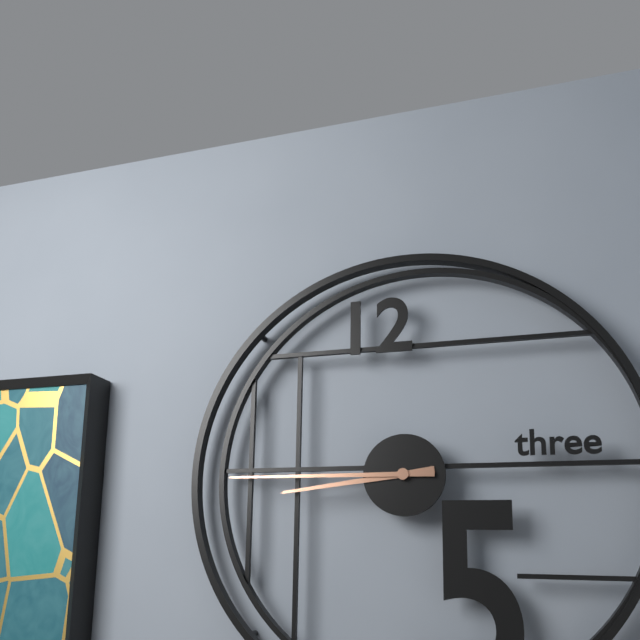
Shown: h=8 m=45
